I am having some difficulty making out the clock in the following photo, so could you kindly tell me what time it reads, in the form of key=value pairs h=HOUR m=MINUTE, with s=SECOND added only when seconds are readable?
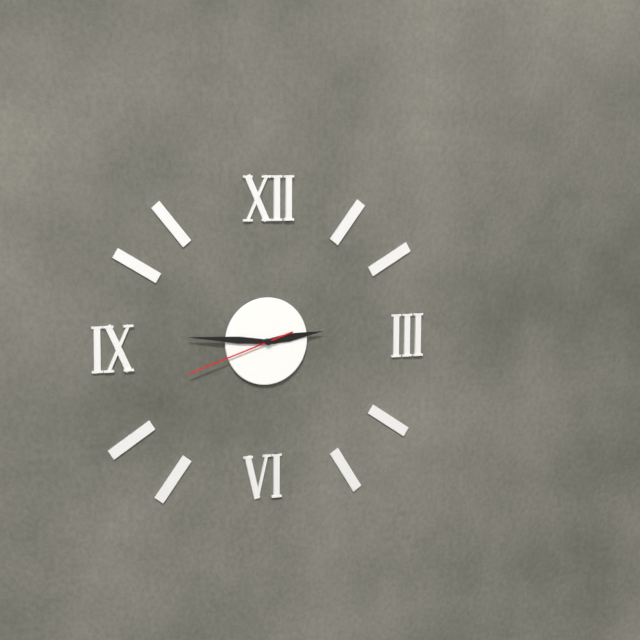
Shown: h=2 m=46 s=42
